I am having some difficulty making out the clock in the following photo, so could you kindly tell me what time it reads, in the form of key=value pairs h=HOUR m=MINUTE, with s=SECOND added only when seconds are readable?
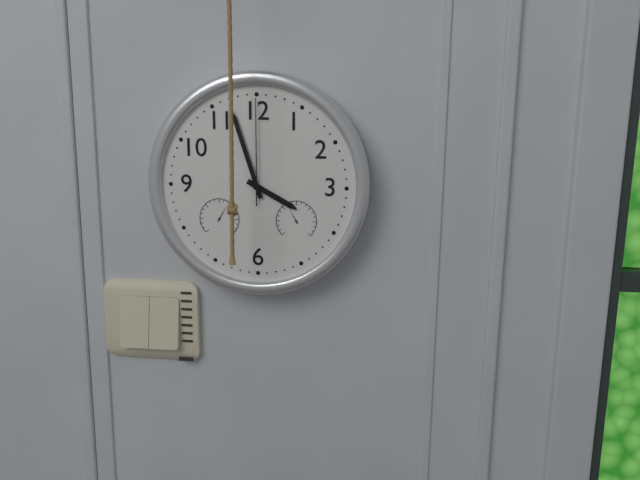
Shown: h=3 m=57 s=0
